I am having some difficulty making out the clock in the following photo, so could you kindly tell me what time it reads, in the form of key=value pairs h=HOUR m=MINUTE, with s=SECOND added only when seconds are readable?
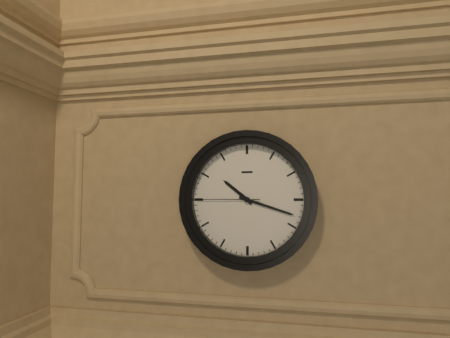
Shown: h=10 m=18 s=45
